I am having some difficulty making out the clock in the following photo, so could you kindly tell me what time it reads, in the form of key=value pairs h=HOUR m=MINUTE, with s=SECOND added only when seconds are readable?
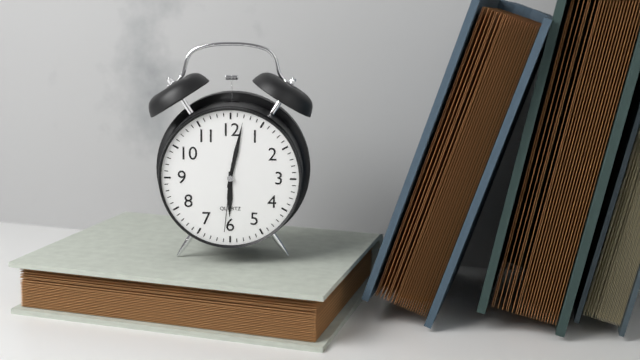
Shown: h=6 m=2 s=31
